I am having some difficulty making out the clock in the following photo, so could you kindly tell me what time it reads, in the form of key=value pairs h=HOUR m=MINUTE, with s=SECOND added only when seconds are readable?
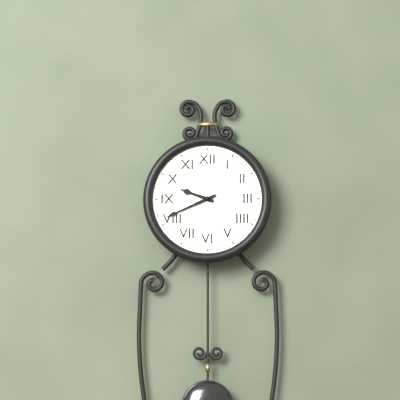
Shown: h=9 m=41
